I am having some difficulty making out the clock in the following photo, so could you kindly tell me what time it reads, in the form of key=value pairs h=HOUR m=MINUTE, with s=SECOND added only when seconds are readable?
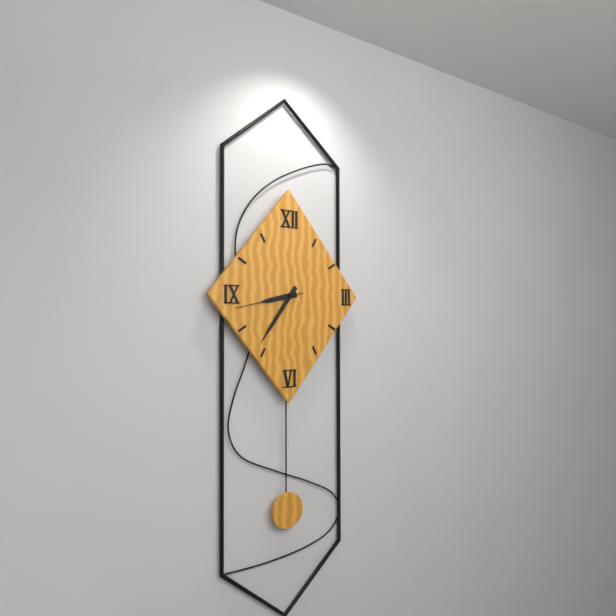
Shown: h=8 m=36 s=43
